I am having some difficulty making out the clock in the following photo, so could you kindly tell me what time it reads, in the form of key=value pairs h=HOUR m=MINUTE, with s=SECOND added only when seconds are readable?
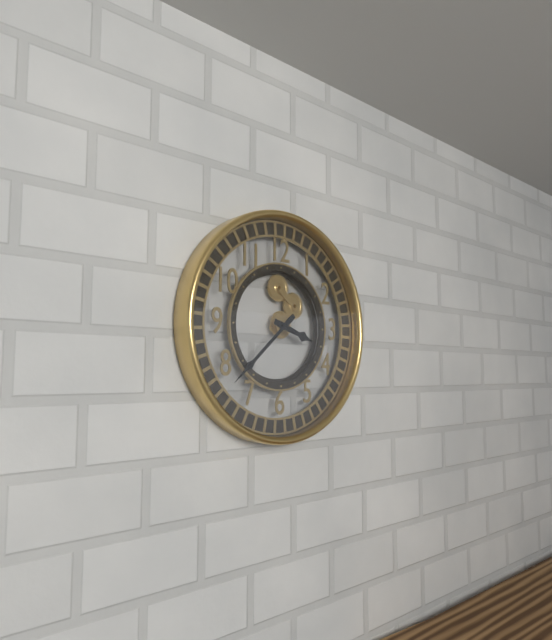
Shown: h=3 m=38
